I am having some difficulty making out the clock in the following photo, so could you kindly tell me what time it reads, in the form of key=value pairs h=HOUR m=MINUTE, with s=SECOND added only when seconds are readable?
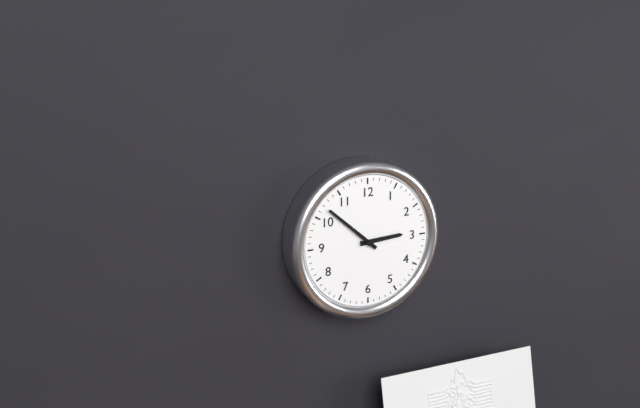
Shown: h=2 m=52
